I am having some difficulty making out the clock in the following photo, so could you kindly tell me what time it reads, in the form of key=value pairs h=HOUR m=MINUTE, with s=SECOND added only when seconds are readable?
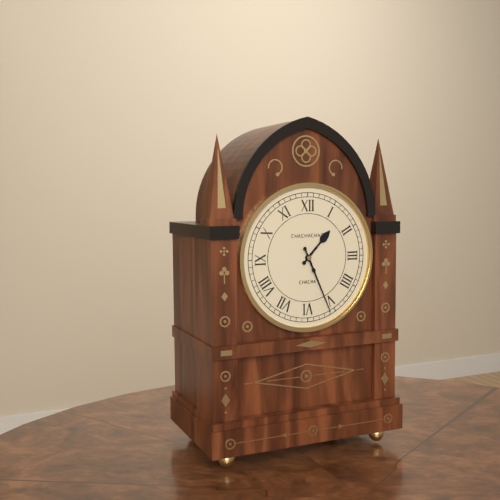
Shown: h=1 m=26
